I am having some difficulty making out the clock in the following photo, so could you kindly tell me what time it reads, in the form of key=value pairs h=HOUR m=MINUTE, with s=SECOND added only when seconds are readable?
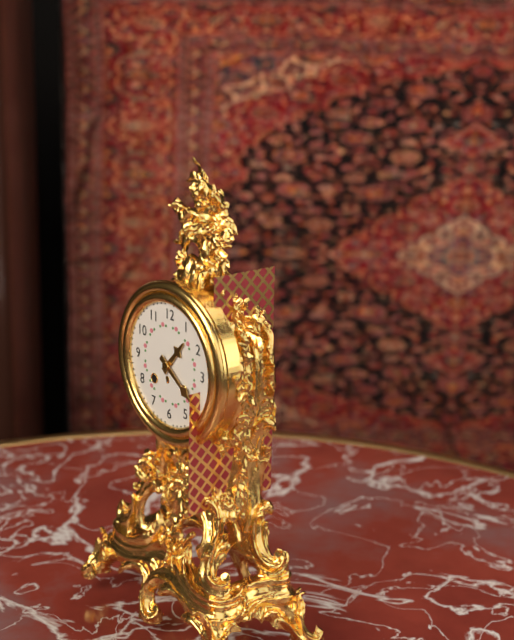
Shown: h=1 m=21
